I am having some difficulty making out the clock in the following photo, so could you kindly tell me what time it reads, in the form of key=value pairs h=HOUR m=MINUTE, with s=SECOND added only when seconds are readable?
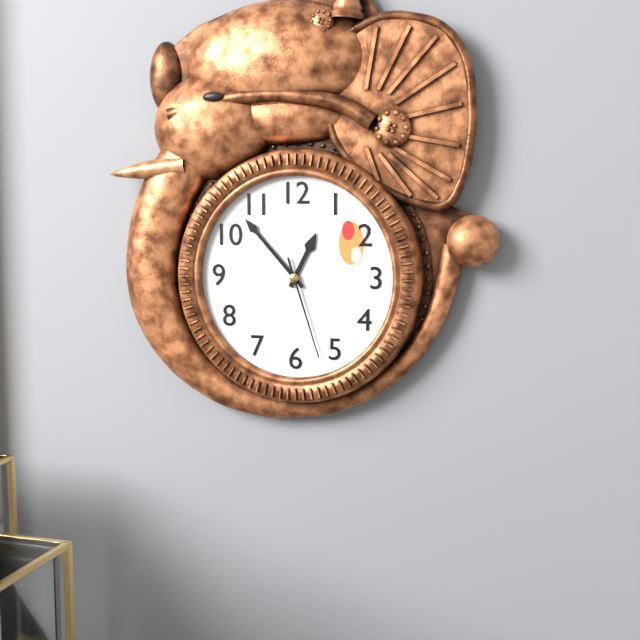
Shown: h=12 m=53 s=27
